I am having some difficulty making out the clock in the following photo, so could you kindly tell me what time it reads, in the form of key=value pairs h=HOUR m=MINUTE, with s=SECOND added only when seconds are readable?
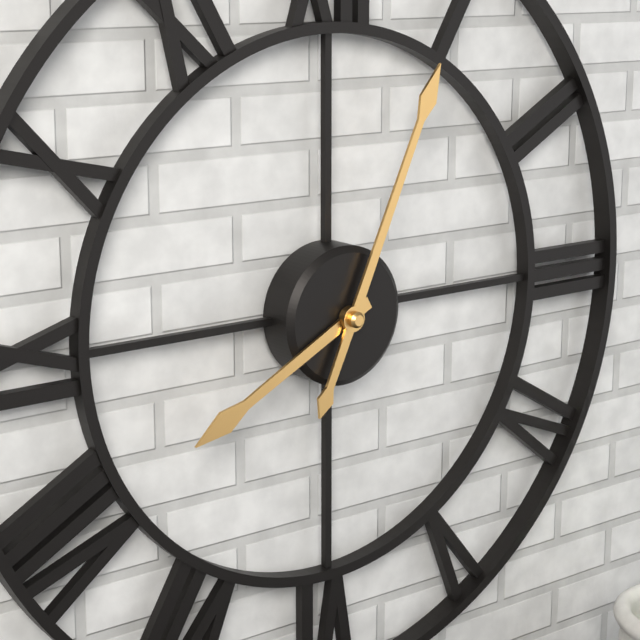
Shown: h=8 m=4
